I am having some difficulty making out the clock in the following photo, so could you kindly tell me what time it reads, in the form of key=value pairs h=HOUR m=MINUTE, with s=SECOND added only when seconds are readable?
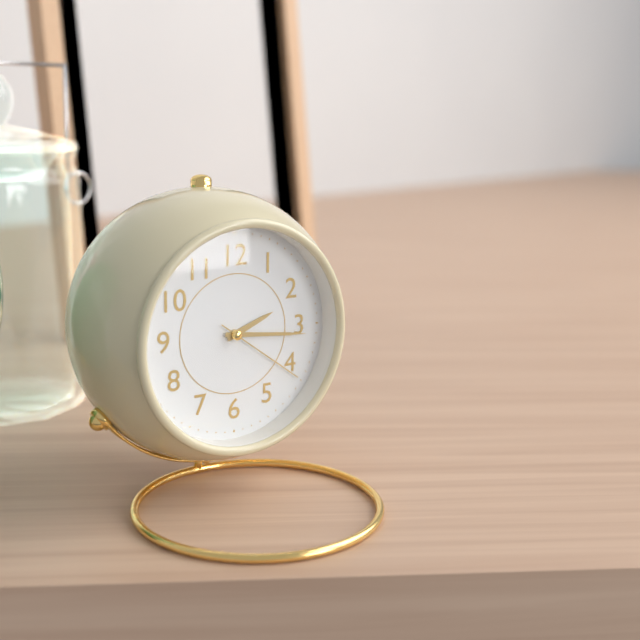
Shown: h=2 m=16 s=21
